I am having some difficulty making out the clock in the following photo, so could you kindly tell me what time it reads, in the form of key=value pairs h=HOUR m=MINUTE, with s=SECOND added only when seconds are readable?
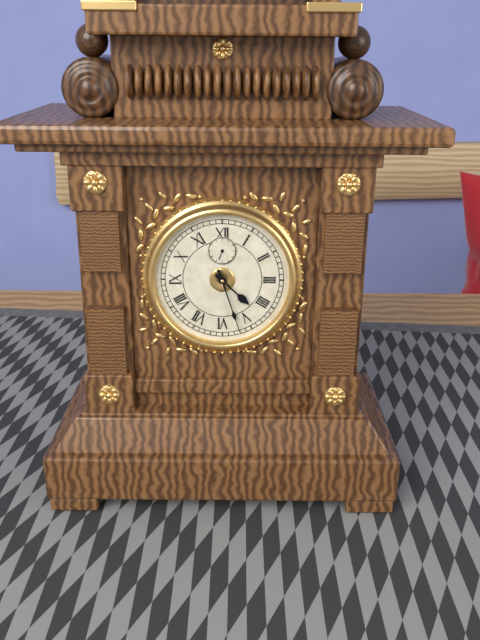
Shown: h=4 m=27
